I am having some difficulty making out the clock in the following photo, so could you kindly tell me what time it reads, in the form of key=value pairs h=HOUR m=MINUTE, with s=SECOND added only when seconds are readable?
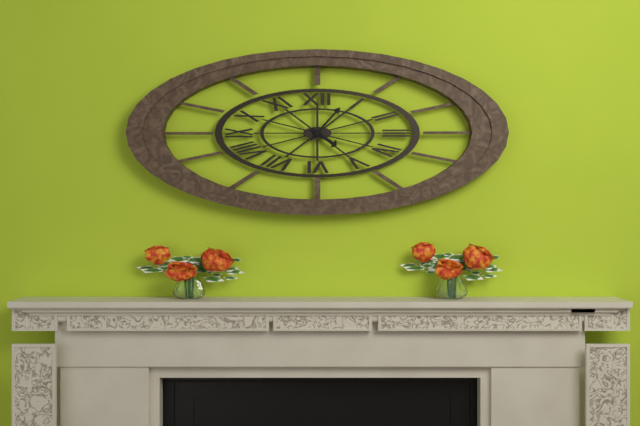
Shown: h=4 m=7
